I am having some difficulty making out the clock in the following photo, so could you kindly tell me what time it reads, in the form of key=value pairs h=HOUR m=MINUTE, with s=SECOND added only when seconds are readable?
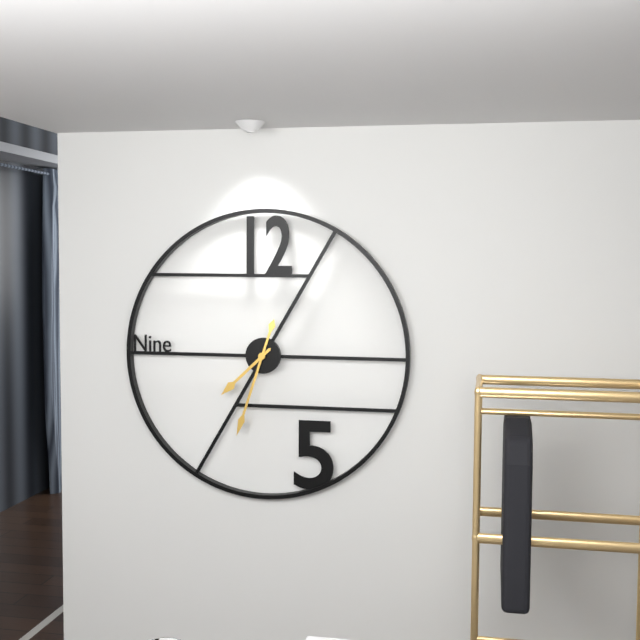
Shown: h=7 m=33
